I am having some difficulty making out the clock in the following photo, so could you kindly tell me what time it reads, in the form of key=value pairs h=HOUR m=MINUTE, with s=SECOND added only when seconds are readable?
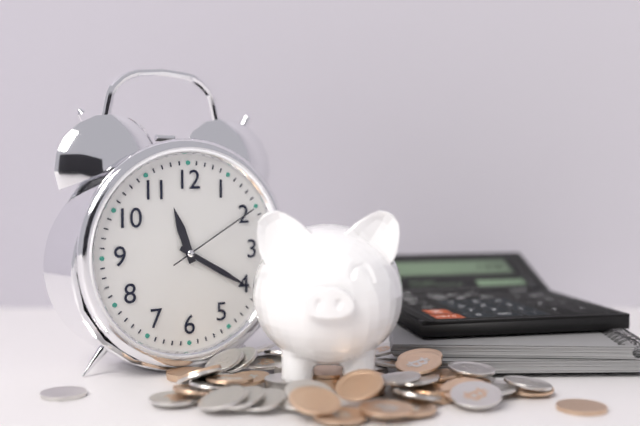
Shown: h=11 m=20 s=10
